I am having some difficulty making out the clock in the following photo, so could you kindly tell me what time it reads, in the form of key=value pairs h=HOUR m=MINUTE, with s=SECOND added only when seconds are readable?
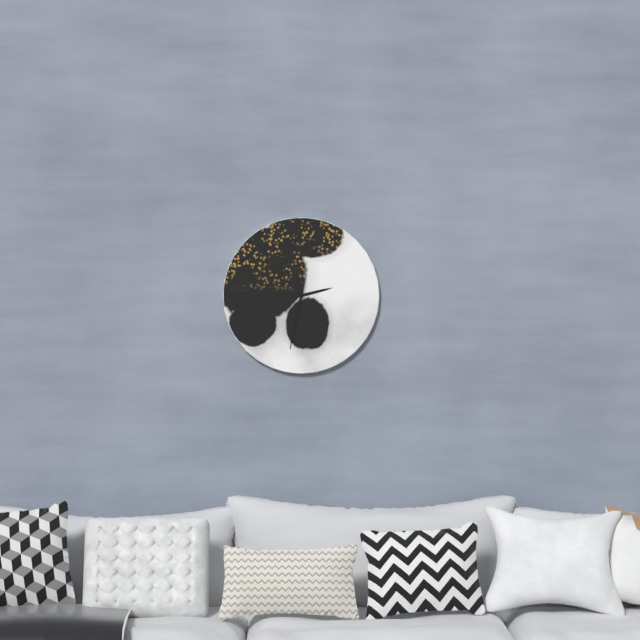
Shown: h=2 m=32
